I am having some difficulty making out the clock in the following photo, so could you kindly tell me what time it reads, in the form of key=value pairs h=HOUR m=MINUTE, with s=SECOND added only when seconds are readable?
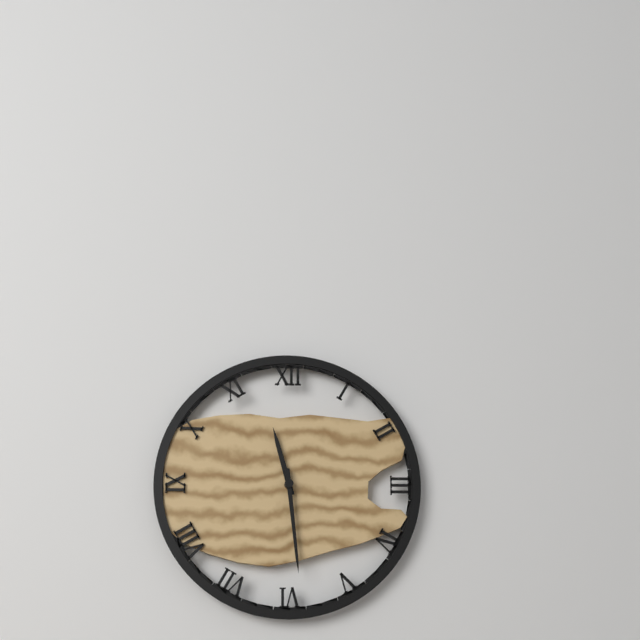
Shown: h=11 m=29
